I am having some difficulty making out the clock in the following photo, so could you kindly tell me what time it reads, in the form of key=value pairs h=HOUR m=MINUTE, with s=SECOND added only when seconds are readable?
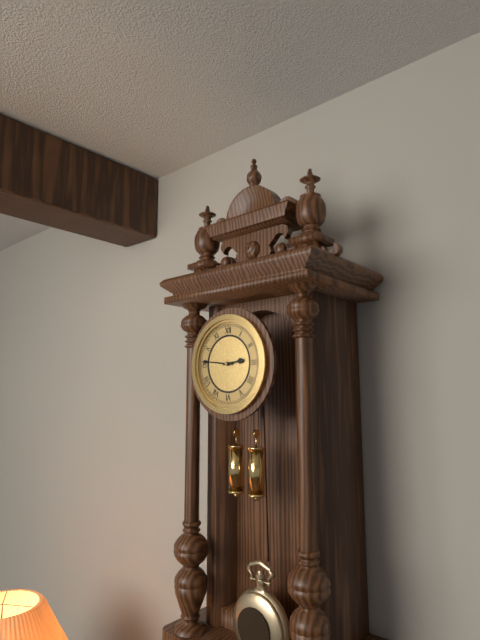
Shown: h=2 m=46
